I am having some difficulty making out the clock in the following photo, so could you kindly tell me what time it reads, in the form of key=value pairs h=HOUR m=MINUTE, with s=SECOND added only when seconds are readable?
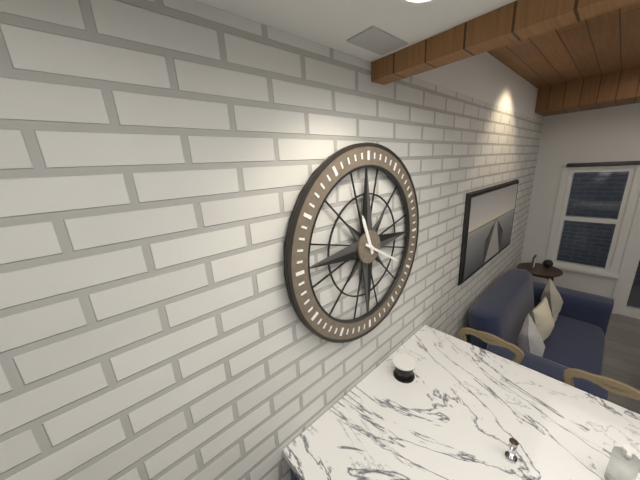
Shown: h=11 m=20
